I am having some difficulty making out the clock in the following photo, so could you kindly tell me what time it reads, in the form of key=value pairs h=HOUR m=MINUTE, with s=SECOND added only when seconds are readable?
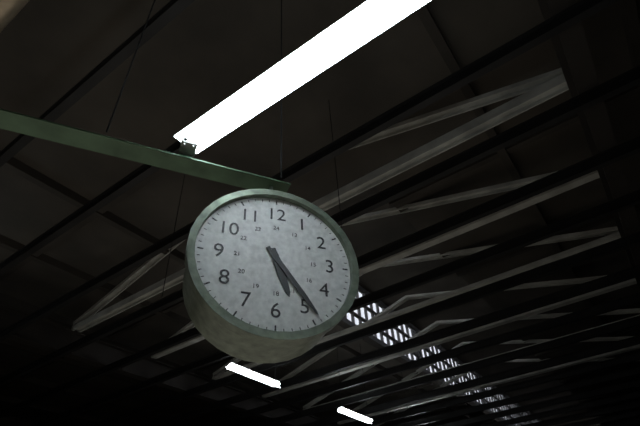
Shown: h=5 m=24
